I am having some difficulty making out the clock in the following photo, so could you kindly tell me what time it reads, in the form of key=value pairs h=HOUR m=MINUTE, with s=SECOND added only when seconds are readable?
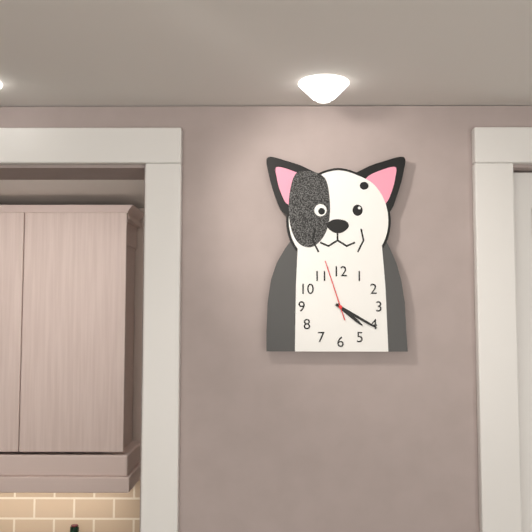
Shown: h=4 m=20 s=57
